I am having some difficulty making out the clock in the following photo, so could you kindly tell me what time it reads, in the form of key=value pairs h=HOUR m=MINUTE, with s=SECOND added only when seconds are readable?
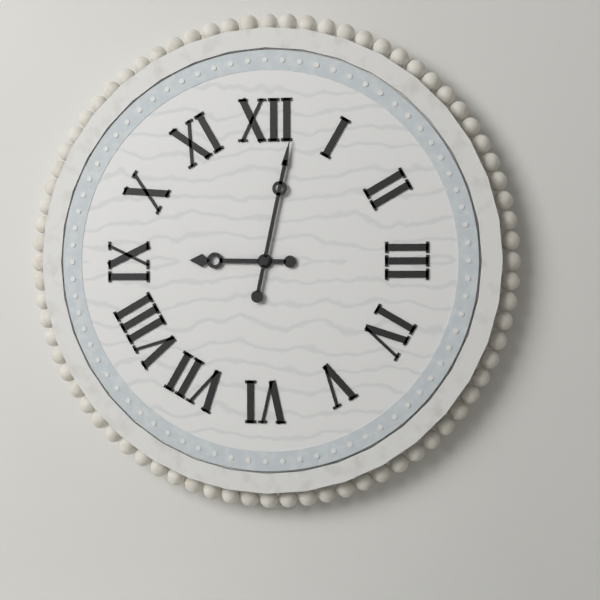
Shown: h=9 m=2
